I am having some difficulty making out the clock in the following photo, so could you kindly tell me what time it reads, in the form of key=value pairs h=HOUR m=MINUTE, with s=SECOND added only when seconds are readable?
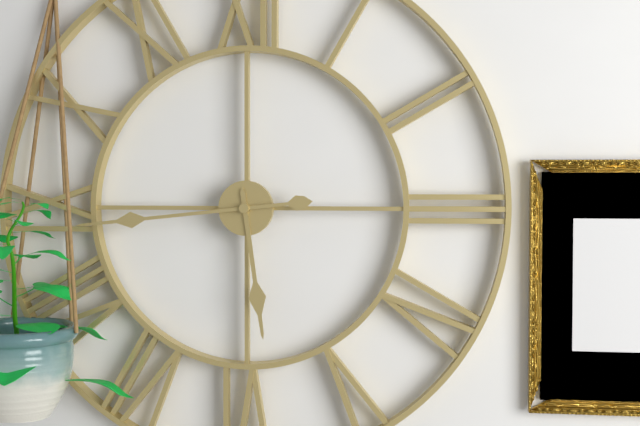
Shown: h=5 m=44
